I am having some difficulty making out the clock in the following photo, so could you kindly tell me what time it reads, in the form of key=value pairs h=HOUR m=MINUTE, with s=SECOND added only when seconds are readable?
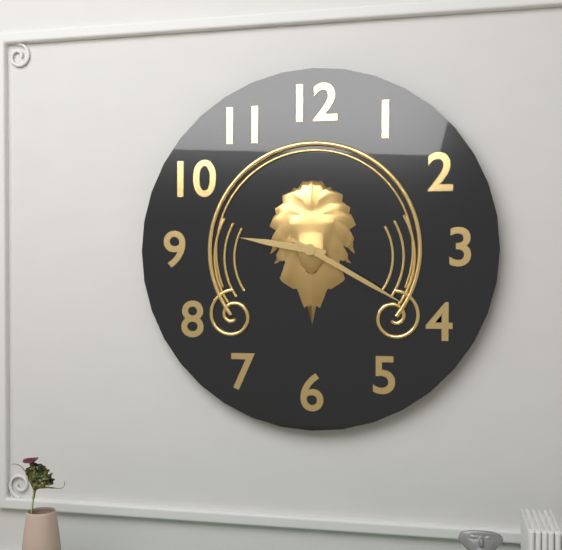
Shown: h=9 m=20
